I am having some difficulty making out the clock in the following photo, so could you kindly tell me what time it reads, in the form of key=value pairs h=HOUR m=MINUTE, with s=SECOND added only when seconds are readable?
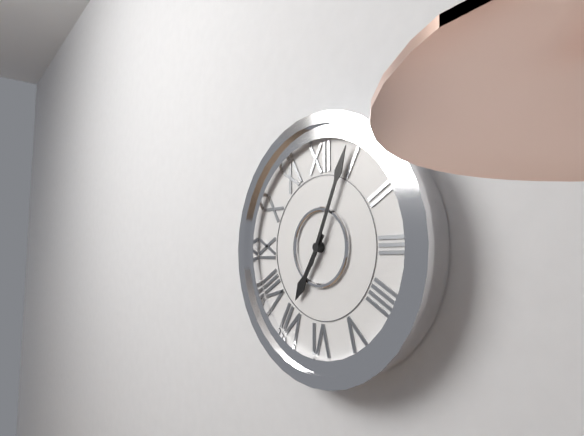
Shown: h=7 m=4
